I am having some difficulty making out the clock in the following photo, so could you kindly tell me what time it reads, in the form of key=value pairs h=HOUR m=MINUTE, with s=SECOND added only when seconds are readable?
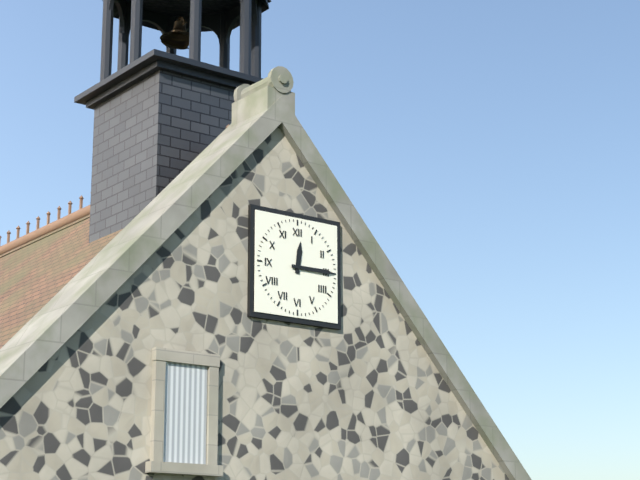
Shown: h=12 m=15
